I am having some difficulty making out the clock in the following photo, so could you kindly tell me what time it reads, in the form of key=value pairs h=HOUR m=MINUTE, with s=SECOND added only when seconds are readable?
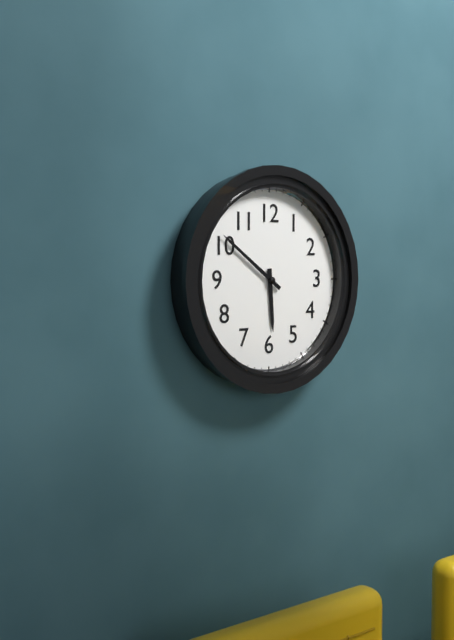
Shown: h=5 m=51
